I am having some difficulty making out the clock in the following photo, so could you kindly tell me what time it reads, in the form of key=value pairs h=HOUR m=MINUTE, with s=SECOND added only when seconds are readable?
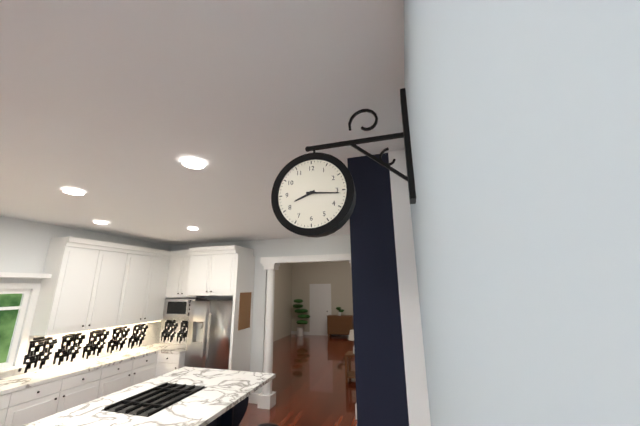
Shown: h=8 m=16
